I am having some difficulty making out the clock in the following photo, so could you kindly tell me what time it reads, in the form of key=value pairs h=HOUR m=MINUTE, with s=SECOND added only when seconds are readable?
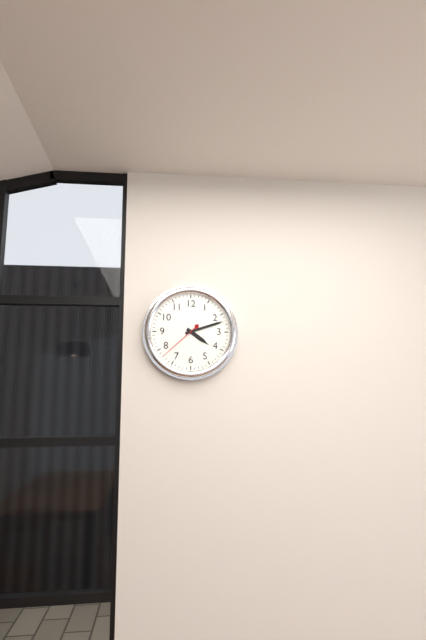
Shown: h=4 m=12
